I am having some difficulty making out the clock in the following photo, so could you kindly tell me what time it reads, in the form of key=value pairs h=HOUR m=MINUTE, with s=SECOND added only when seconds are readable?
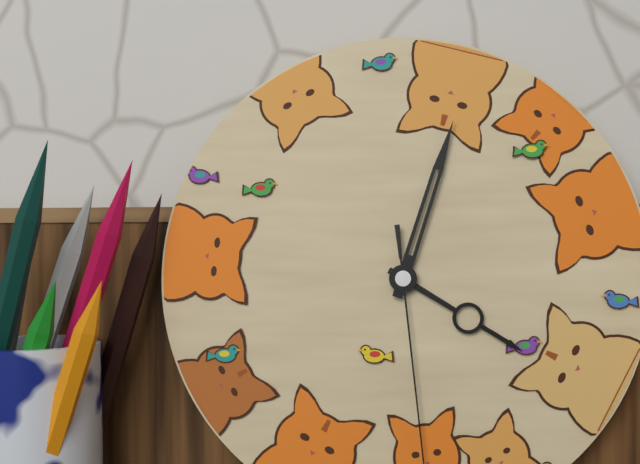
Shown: h=4 m=3
